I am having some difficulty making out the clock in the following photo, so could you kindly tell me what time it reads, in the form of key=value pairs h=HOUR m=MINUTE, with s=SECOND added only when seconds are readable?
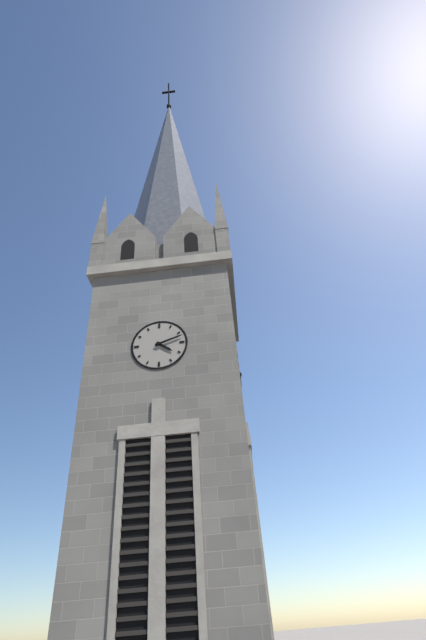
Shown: h=4 m=12
